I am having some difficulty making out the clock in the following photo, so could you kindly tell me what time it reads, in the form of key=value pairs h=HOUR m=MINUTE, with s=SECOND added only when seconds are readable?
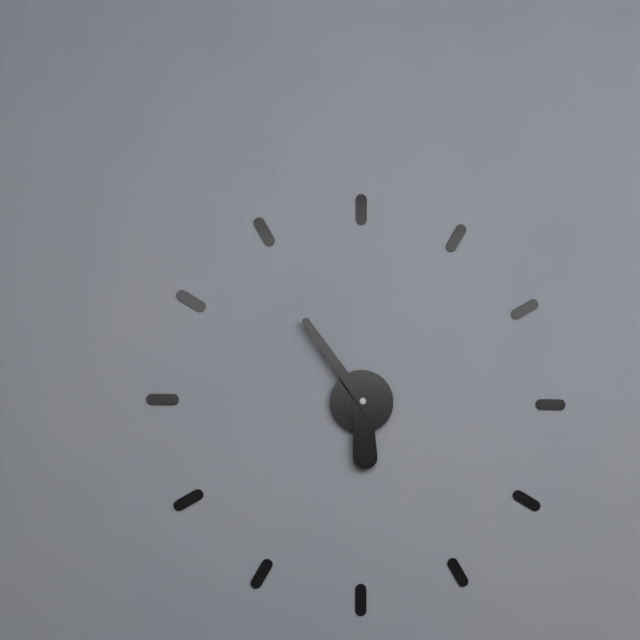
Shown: h=5 m=54
